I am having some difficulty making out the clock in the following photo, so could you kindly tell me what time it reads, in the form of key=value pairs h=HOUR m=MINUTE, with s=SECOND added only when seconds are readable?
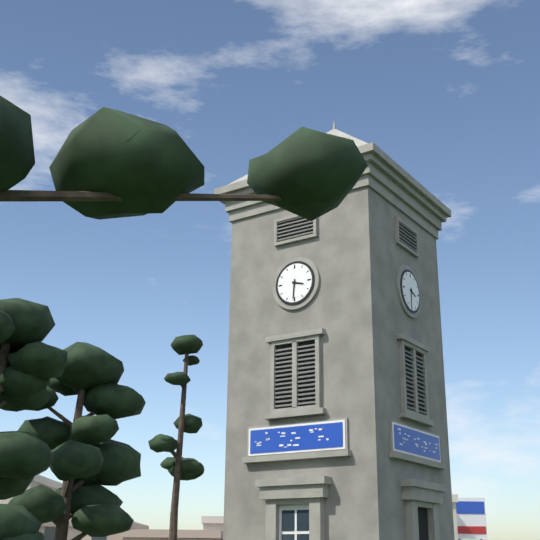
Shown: h=3 m=31
